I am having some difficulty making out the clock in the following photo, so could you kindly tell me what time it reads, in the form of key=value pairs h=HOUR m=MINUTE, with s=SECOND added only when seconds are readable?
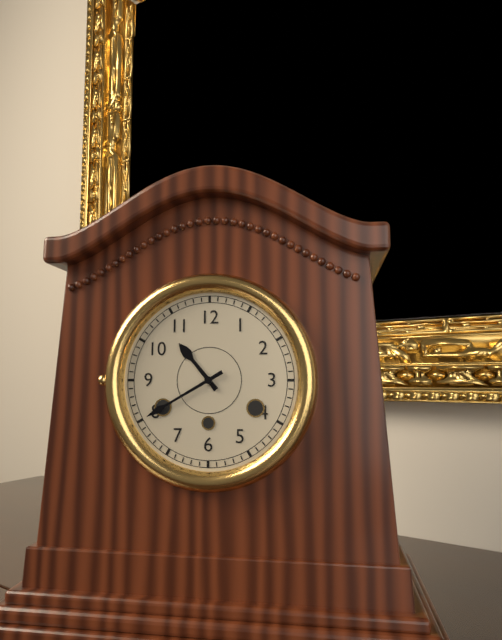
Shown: h=10 m=40
